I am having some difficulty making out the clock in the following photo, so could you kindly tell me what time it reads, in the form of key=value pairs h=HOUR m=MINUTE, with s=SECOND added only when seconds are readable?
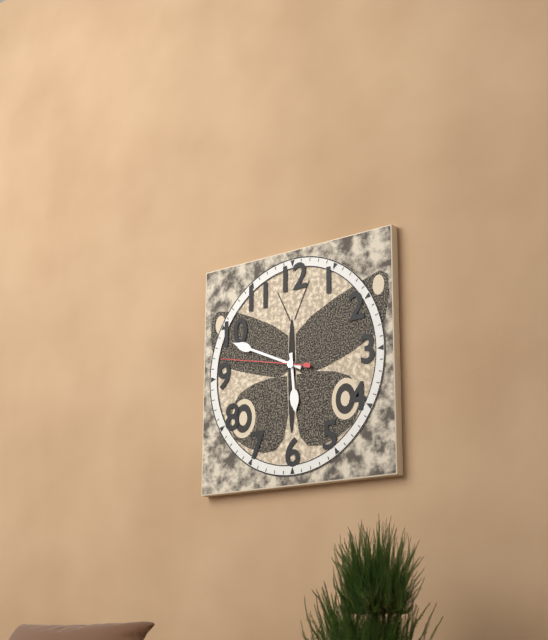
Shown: h=5 m=49 s=47
